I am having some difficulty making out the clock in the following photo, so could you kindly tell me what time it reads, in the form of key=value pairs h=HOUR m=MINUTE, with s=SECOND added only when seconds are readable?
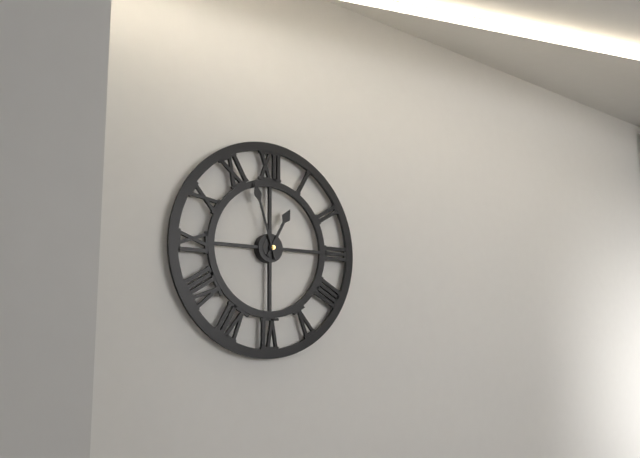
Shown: h=12 m=57
